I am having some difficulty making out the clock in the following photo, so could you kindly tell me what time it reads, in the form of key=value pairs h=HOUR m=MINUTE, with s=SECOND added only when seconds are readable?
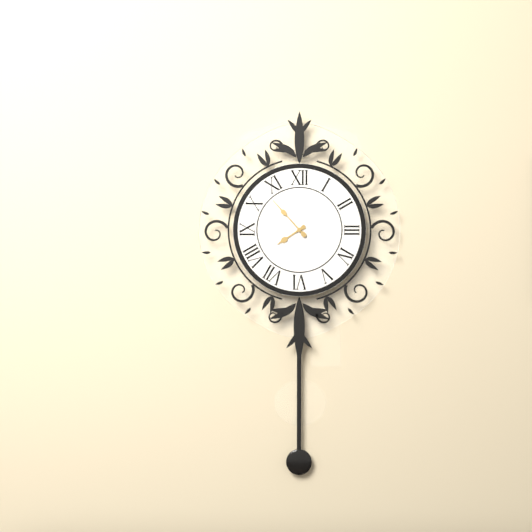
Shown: h=7 m=53
